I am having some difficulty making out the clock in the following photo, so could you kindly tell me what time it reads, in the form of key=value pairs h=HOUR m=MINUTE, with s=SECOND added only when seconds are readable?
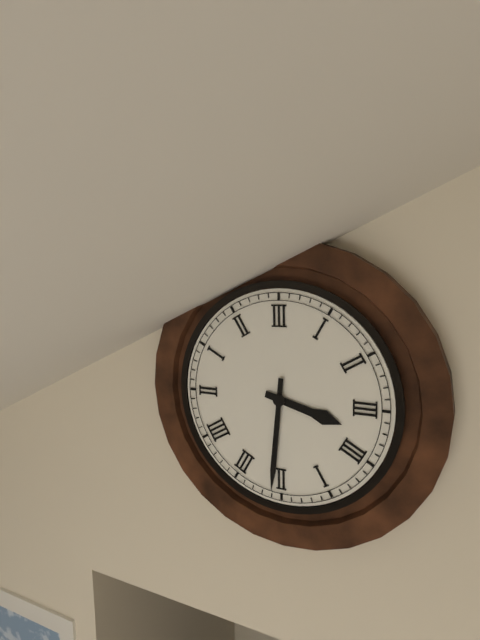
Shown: h=3 m=31
